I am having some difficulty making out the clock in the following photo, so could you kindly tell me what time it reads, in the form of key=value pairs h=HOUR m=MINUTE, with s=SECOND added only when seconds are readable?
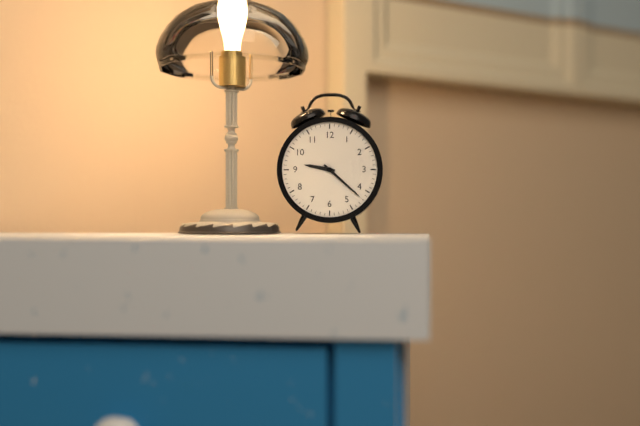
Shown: h=9 m=22
